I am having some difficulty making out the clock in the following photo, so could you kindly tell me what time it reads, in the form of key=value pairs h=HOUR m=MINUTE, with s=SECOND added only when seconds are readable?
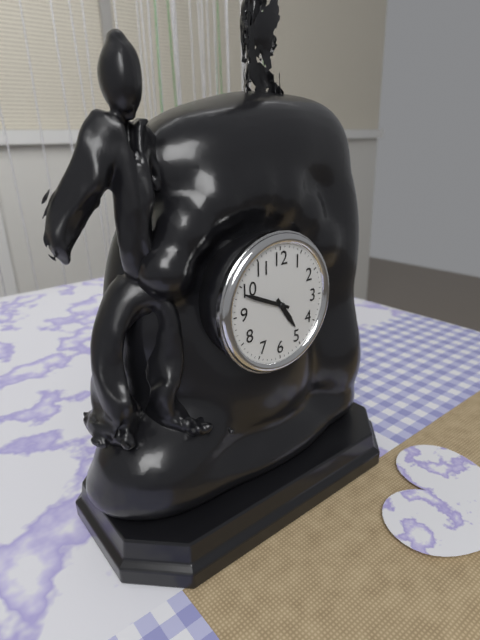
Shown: h=4 m=49
